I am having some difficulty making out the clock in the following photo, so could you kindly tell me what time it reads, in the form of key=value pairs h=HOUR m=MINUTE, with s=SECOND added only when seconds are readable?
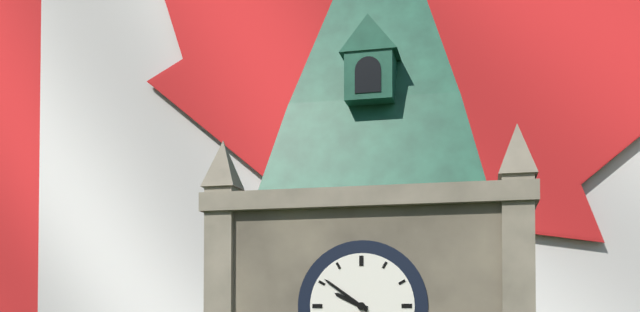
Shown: h=9 m=51
